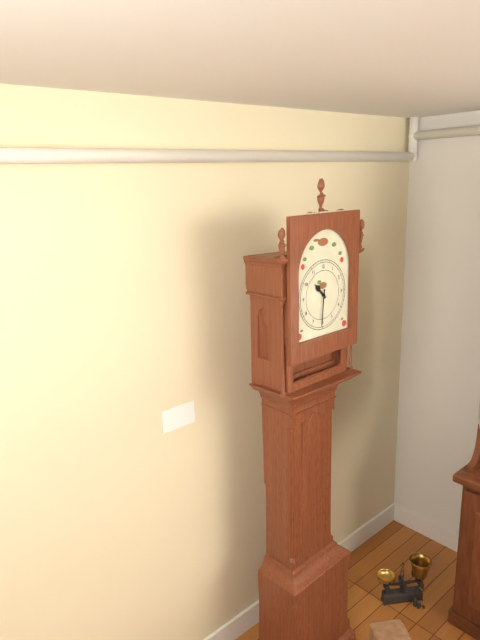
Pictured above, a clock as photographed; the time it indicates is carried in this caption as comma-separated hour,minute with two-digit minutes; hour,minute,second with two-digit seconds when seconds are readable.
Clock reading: 10,31
